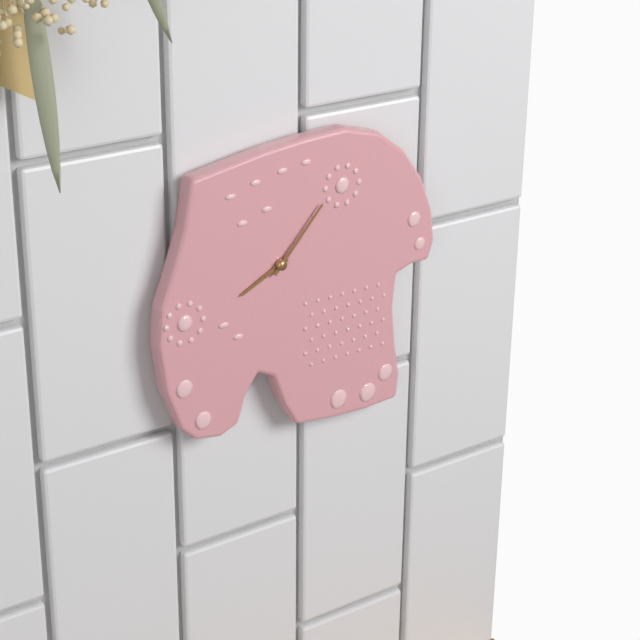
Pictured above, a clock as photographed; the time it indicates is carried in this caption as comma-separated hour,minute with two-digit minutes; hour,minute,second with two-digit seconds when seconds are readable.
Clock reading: 8,07
